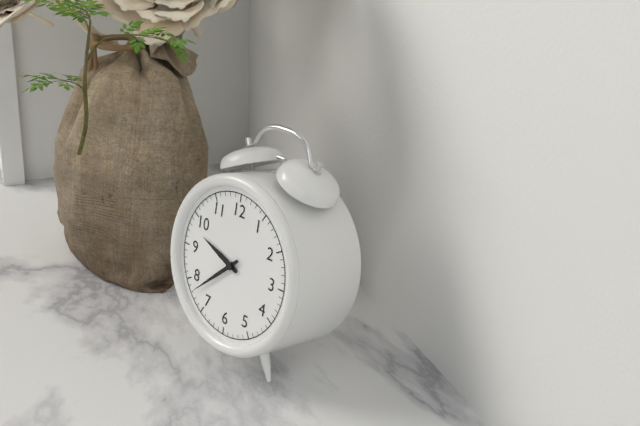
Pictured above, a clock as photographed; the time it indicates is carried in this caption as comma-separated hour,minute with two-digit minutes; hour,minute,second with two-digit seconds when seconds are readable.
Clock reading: 9,38
